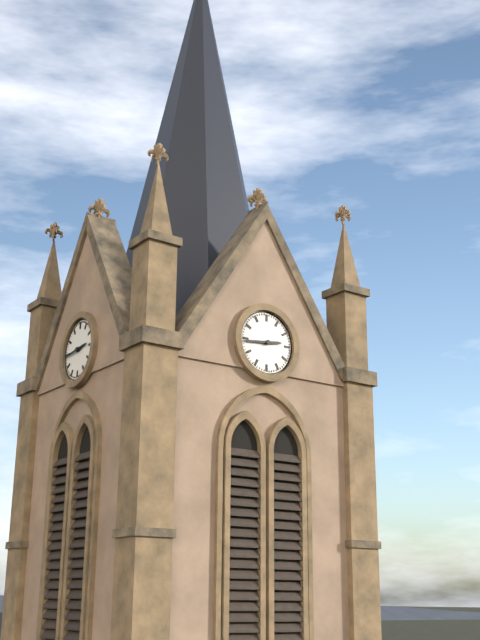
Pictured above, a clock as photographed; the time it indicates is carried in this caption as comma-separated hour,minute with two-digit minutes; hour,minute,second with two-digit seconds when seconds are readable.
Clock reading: 2,44
